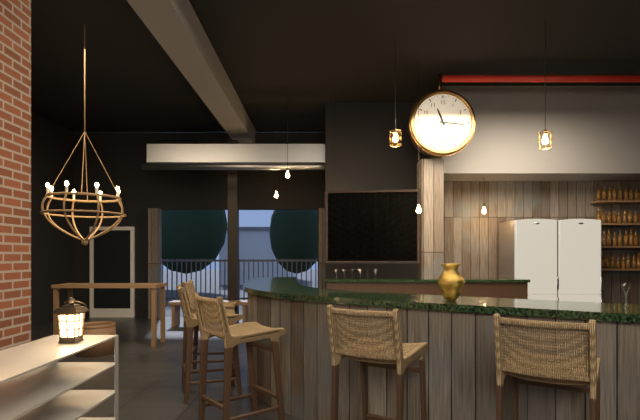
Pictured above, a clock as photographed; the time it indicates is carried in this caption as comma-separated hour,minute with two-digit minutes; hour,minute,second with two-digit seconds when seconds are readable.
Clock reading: 11,16
